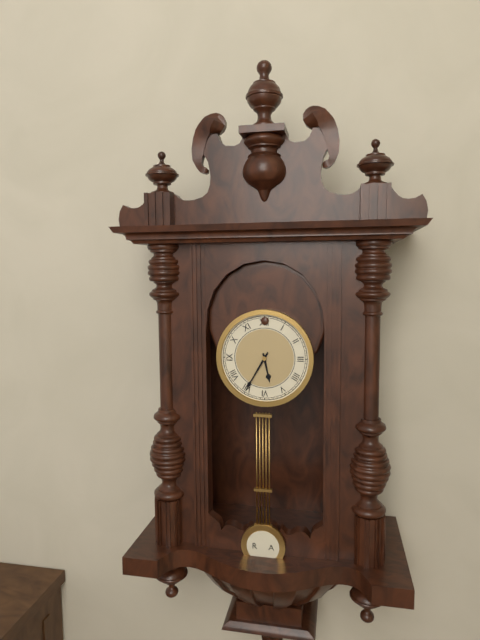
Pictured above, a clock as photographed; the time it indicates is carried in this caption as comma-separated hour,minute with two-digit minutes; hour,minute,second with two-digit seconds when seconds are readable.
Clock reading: 5,35
